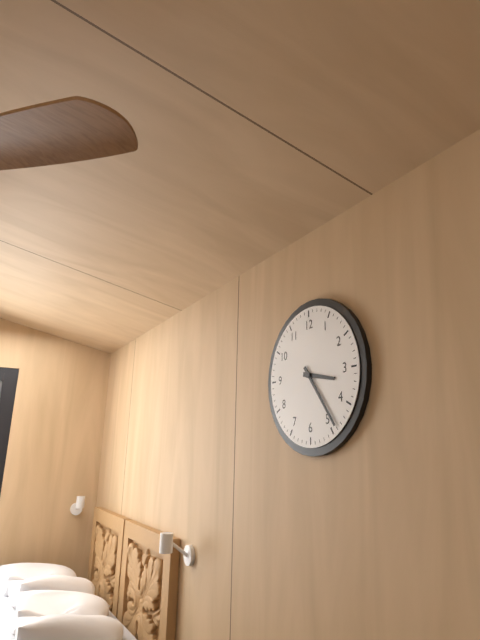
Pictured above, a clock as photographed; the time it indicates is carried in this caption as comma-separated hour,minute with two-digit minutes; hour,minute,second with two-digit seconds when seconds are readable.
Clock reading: 3,24
